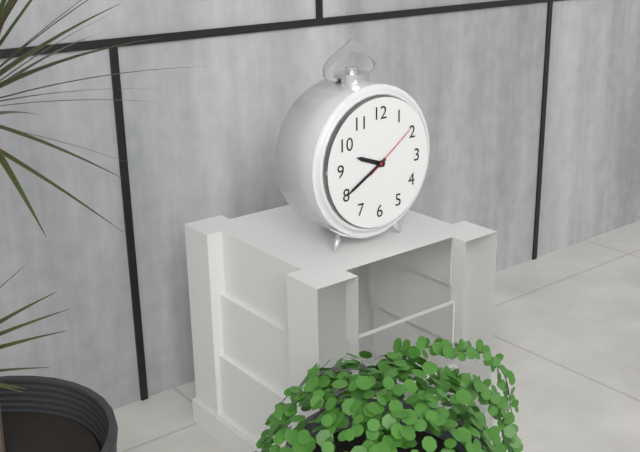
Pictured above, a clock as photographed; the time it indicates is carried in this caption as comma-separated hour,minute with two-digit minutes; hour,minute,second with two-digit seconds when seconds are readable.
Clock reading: 9,40,09
